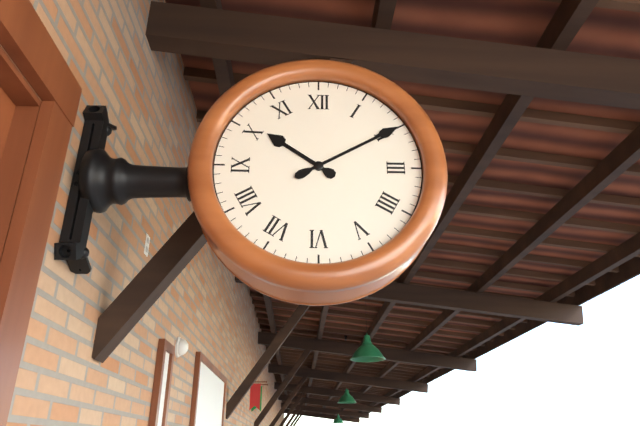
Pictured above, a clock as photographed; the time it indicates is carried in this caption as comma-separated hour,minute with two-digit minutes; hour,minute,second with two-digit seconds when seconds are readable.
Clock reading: 10,10
